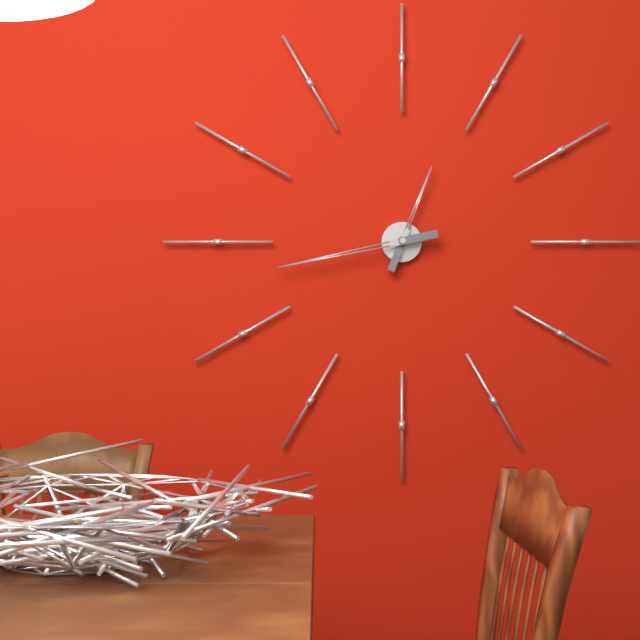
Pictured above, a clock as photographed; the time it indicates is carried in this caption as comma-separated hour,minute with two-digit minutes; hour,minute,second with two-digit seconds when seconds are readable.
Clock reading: 12,43
